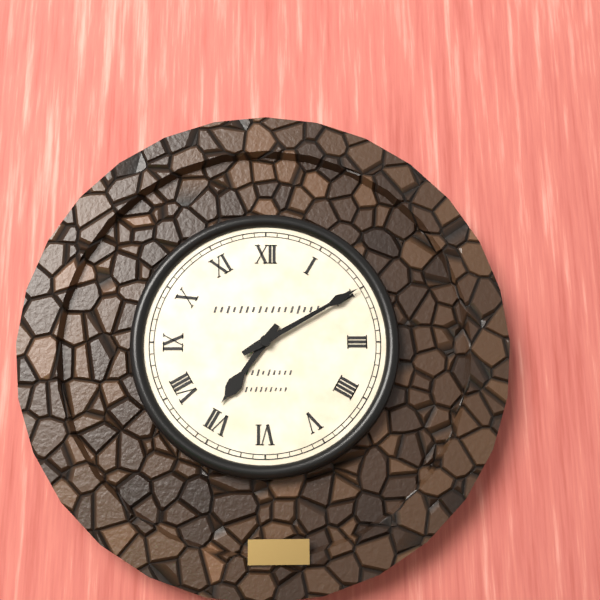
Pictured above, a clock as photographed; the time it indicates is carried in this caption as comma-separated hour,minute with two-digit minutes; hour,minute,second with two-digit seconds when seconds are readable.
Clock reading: 7,10
